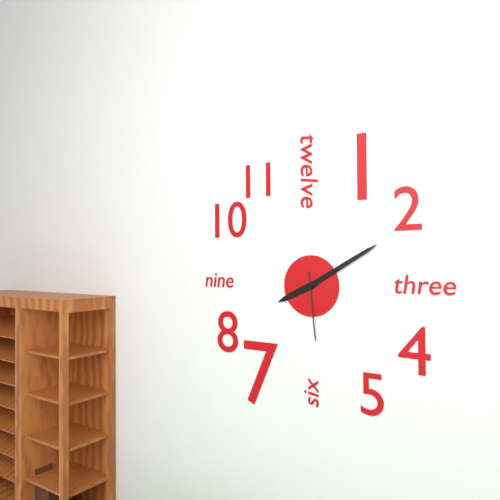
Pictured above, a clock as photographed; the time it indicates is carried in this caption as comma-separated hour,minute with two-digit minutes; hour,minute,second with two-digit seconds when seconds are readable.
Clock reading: 8,10,29
